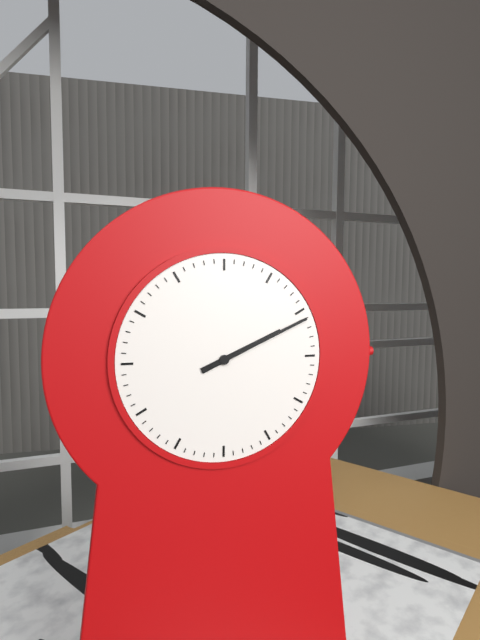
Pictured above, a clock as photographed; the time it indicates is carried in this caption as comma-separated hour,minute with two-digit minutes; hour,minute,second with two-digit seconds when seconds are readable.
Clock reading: 2,11
